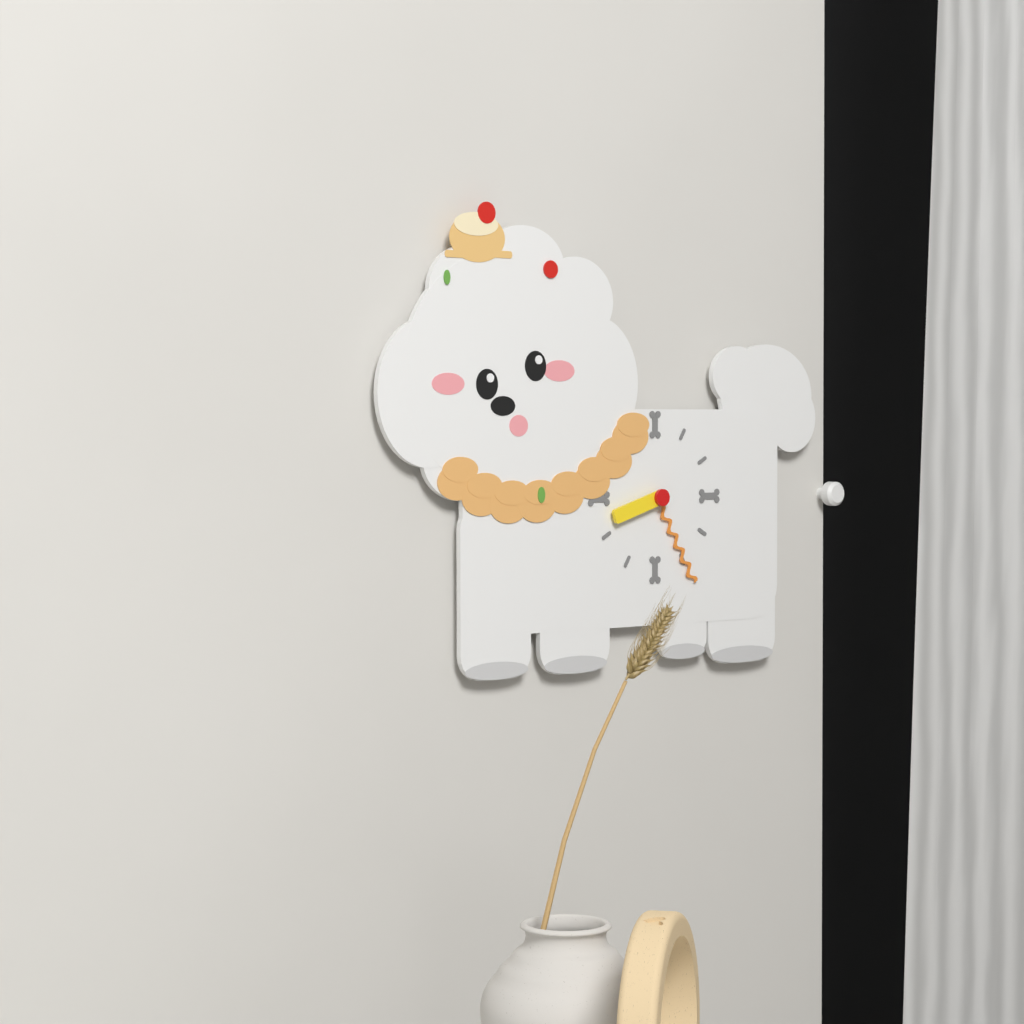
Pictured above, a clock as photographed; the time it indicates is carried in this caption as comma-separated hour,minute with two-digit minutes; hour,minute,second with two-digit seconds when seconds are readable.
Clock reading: 8,25
